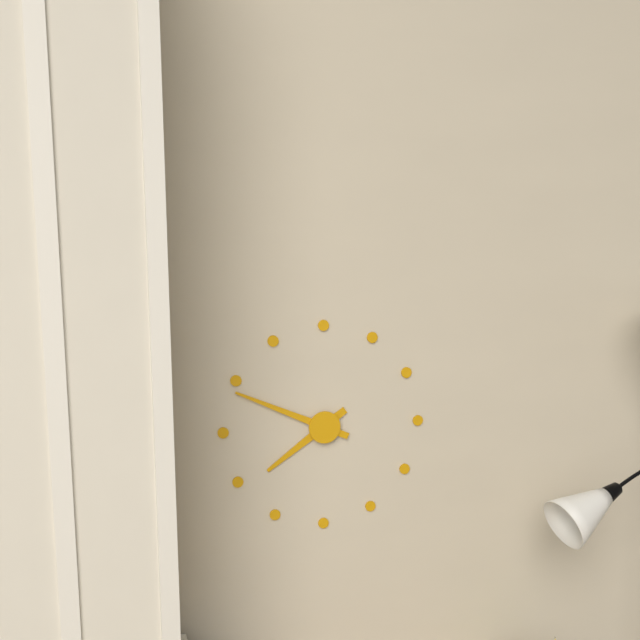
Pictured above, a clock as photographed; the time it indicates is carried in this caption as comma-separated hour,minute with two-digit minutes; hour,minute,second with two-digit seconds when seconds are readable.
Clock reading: 7,49
